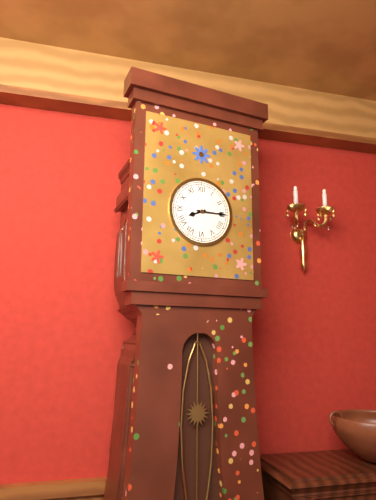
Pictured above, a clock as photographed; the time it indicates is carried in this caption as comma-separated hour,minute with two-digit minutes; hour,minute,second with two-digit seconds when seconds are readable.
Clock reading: 8,15
